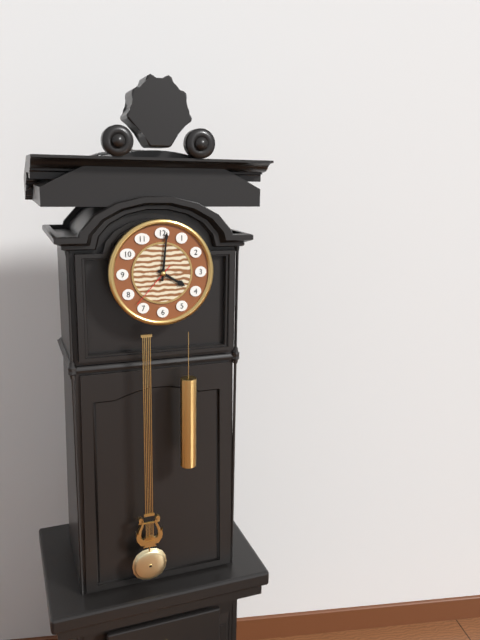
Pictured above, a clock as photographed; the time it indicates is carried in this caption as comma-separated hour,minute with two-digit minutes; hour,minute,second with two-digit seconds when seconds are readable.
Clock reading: 4,01
